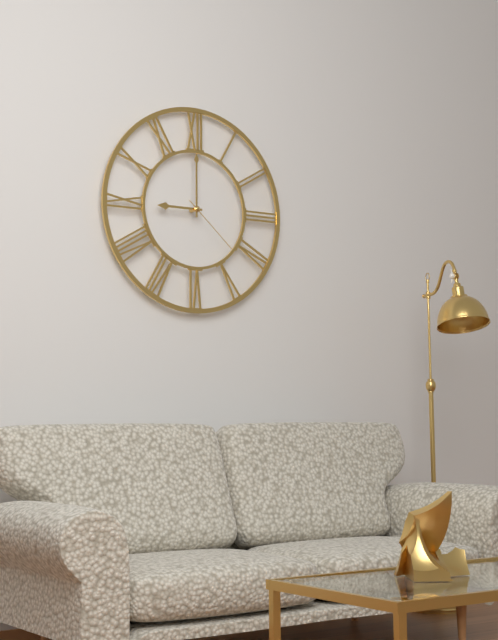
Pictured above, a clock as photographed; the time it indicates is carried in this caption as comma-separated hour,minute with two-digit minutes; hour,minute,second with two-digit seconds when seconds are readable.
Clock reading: 9,00,22
